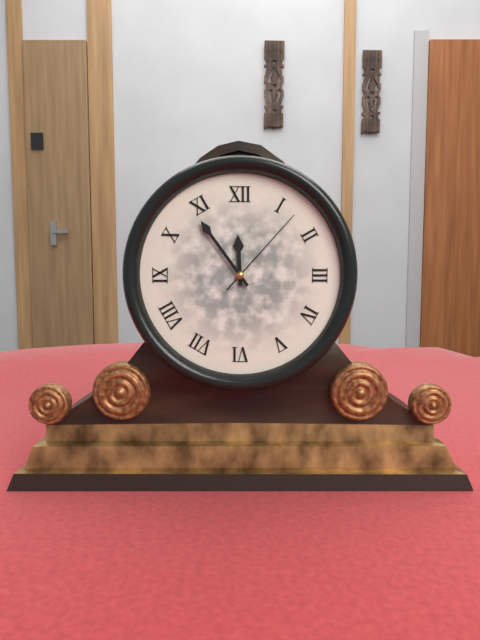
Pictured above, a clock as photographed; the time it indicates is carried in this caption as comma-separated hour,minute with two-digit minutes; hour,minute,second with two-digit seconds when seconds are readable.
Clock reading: 11,54,07
